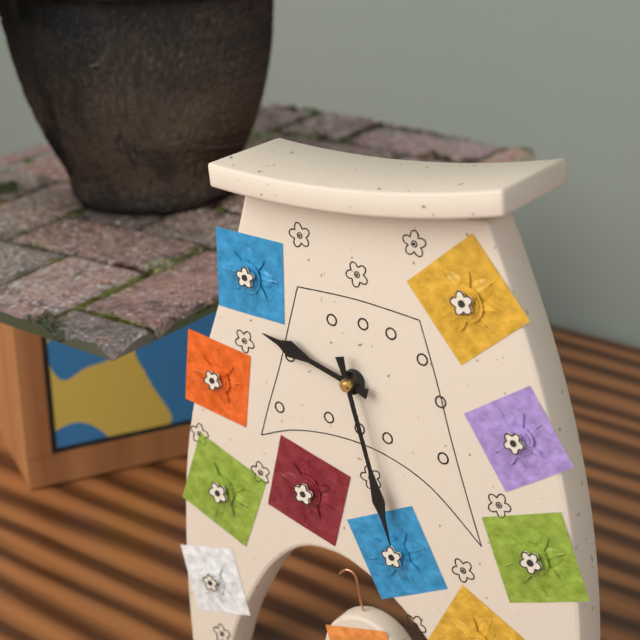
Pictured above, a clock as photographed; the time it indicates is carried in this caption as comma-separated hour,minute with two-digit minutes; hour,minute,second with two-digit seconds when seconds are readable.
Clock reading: 9,27
